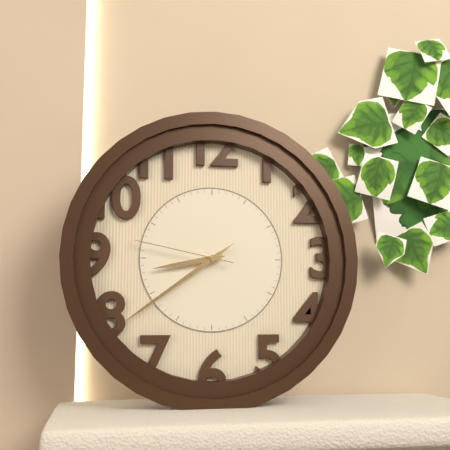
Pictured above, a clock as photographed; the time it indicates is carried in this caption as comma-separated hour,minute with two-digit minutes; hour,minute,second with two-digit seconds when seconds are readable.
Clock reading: 8,39,47
